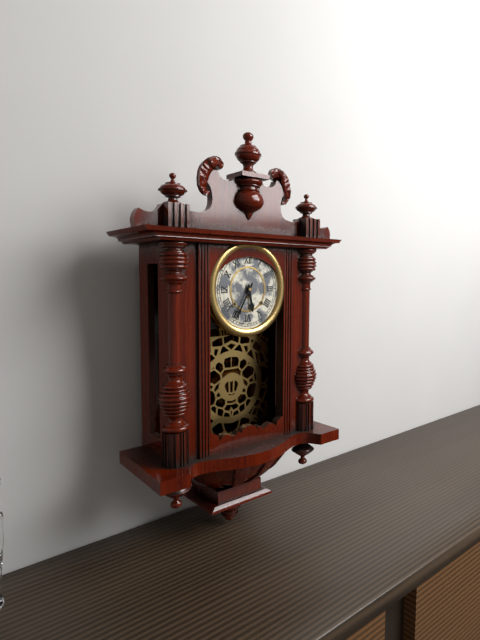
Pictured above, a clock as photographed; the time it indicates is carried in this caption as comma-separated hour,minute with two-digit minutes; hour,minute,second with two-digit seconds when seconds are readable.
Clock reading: 5,35
